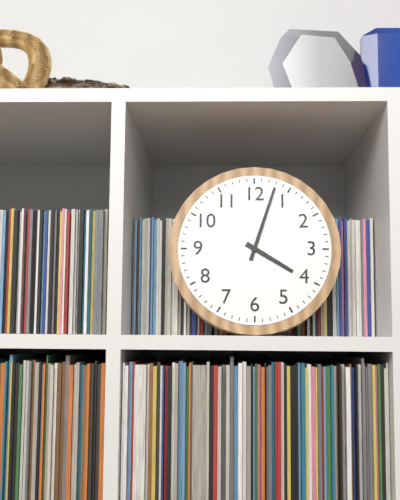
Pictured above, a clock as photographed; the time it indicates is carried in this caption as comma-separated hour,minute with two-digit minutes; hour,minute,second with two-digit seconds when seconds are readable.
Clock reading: 4,03
